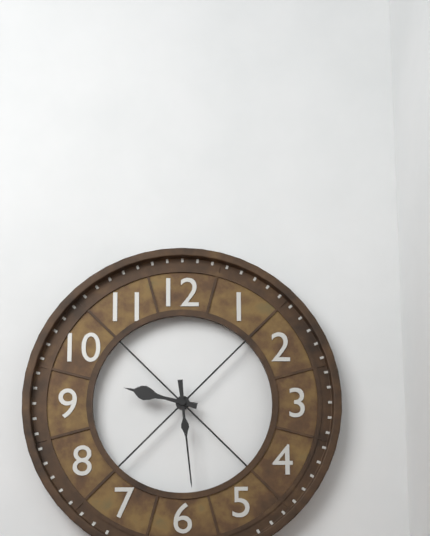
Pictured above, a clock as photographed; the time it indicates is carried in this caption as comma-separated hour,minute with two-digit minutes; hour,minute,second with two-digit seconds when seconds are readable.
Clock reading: 9,29
